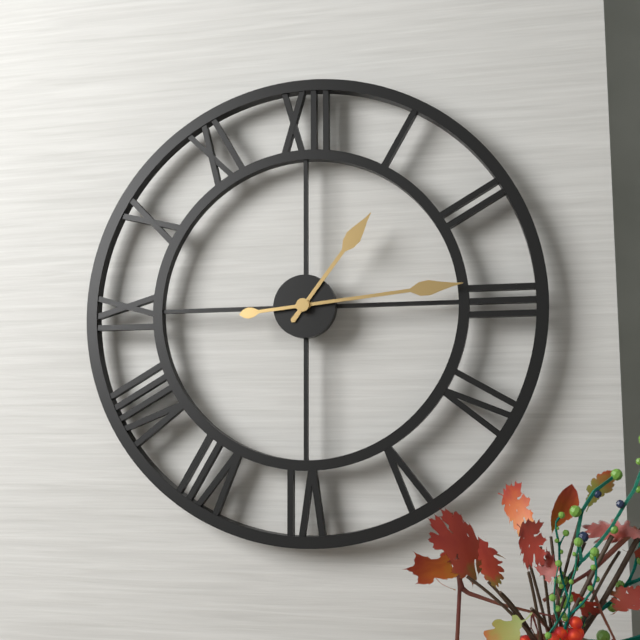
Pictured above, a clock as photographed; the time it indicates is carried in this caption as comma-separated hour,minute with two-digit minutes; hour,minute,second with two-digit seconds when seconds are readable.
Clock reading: 1,14
